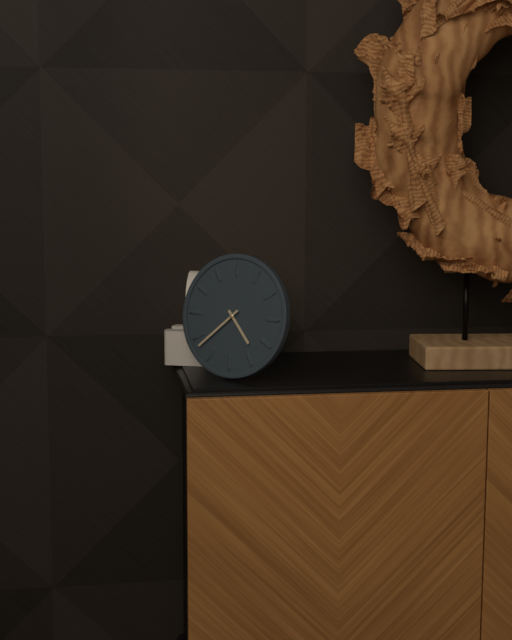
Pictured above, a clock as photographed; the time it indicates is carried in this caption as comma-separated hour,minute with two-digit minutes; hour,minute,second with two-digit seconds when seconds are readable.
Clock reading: 4,38
